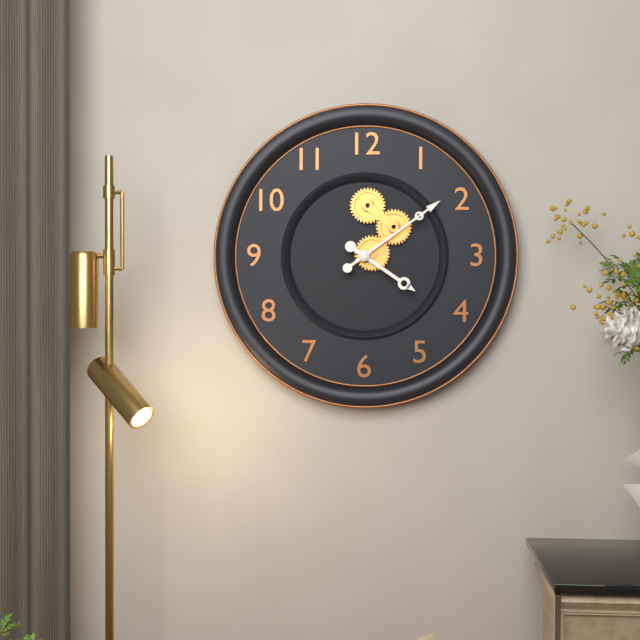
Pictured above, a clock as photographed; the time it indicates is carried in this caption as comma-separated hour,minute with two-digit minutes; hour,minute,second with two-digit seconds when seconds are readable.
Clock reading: 4,09
